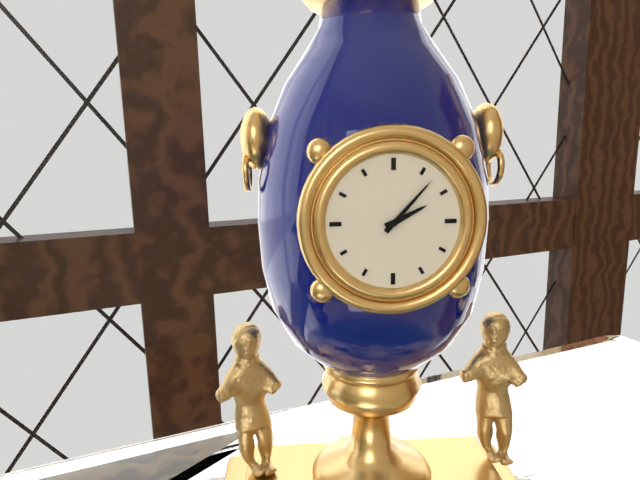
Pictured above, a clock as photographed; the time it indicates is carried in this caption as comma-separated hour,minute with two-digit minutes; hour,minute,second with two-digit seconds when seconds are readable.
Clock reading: 2,07
